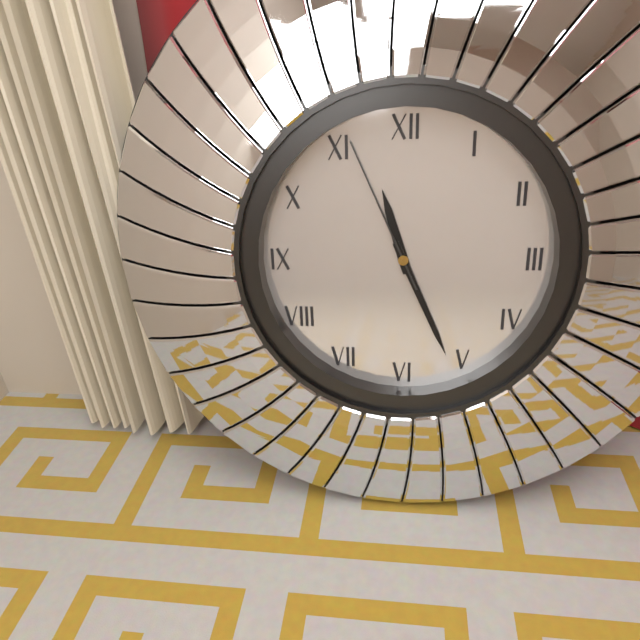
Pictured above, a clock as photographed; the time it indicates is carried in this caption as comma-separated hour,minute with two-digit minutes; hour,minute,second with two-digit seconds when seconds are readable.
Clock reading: 11,26,56
